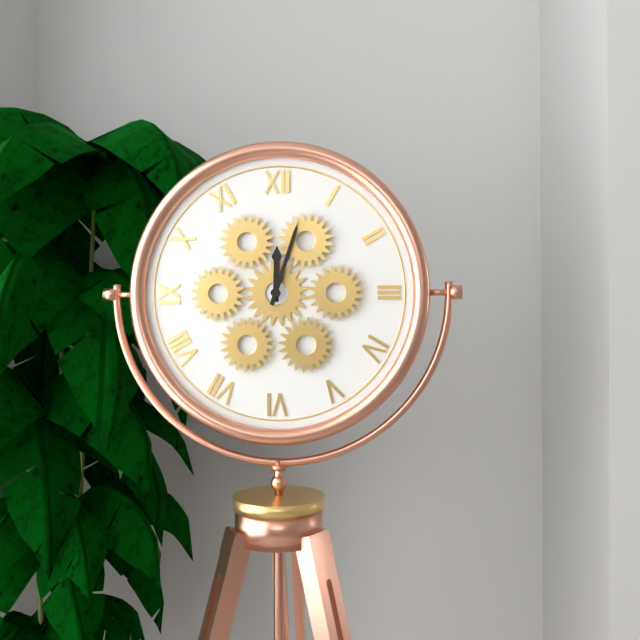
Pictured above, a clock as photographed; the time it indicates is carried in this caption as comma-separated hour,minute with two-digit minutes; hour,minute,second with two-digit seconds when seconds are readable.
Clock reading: 12,03
